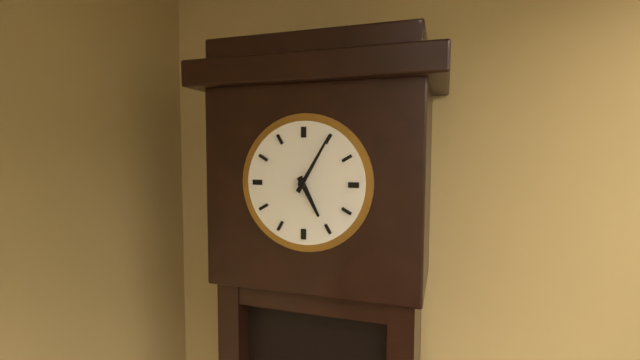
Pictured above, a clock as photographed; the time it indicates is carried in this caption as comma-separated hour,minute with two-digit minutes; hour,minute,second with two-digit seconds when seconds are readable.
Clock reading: 5,05
